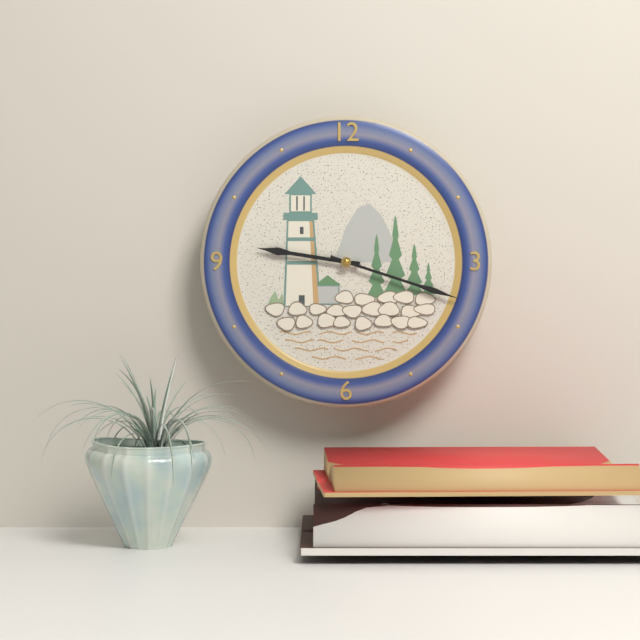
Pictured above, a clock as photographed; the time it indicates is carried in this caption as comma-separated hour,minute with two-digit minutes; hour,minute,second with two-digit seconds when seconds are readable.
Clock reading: 9,18
